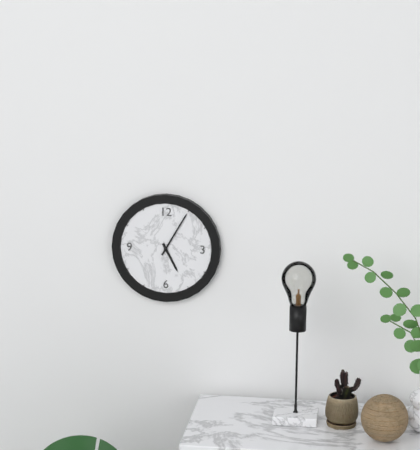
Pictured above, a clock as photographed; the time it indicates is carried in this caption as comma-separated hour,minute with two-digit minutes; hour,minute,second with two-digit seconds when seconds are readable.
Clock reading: 5,05
